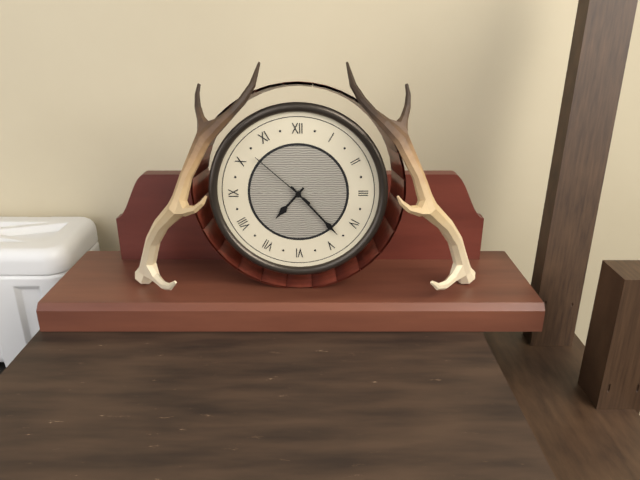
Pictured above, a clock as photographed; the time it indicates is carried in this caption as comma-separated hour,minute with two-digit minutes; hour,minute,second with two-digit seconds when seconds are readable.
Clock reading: 7,23,52
